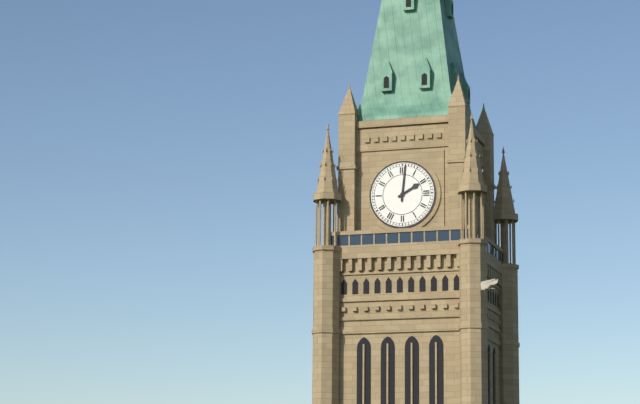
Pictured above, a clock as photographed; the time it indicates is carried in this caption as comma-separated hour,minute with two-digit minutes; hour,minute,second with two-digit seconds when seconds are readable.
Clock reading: 2,01
